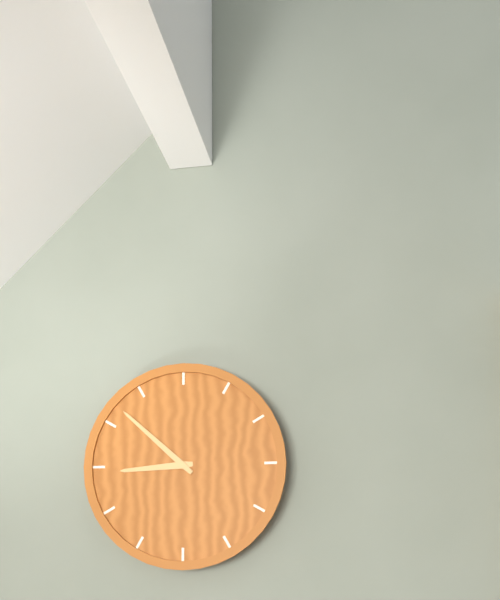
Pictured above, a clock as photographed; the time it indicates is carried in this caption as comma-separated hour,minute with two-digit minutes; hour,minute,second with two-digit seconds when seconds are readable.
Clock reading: 8,52
